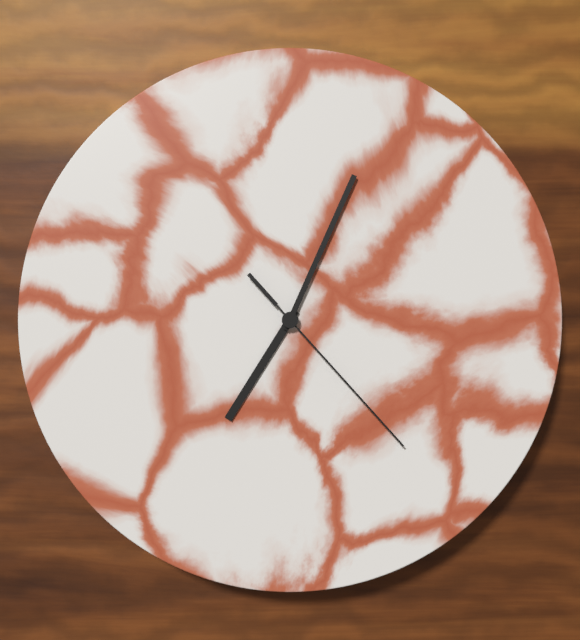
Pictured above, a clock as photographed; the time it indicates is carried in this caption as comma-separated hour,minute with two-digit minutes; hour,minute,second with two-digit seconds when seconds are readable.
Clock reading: 7,04,23
